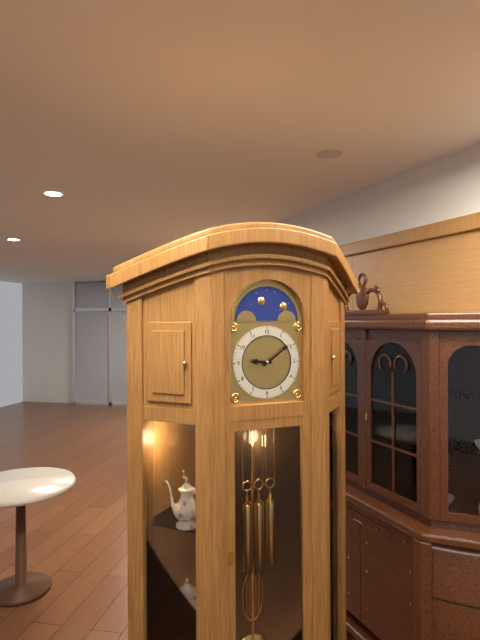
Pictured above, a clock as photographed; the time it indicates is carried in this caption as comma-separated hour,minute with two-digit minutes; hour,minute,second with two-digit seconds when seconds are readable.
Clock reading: 9,09
